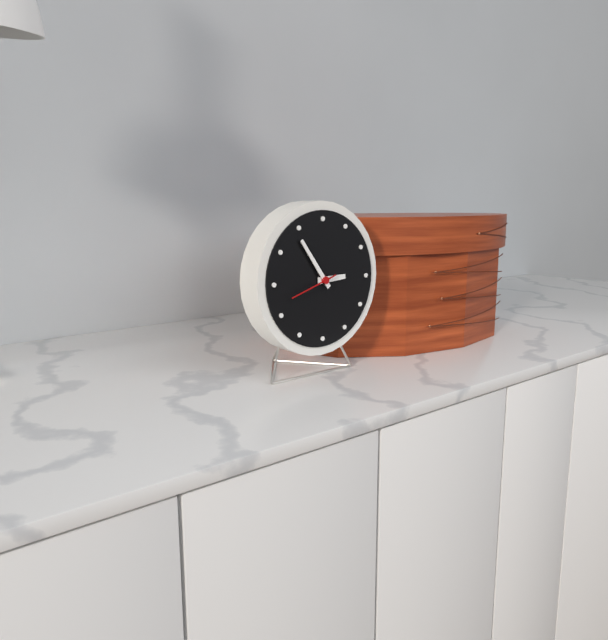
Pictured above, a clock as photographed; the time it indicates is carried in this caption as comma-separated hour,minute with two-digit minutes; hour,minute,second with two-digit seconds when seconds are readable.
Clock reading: 2,54
